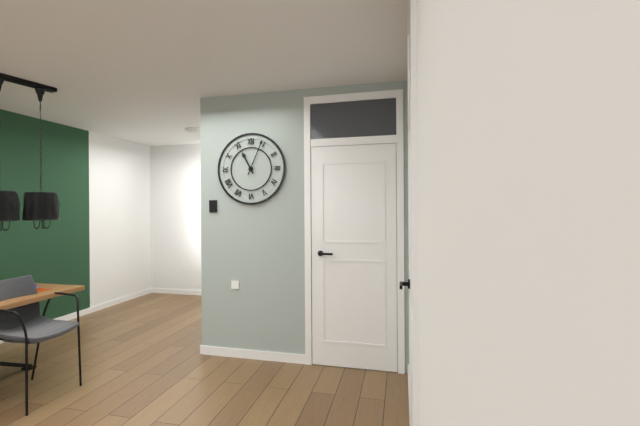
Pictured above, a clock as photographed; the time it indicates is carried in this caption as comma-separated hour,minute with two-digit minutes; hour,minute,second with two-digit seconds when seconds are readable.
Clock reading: 11,04
